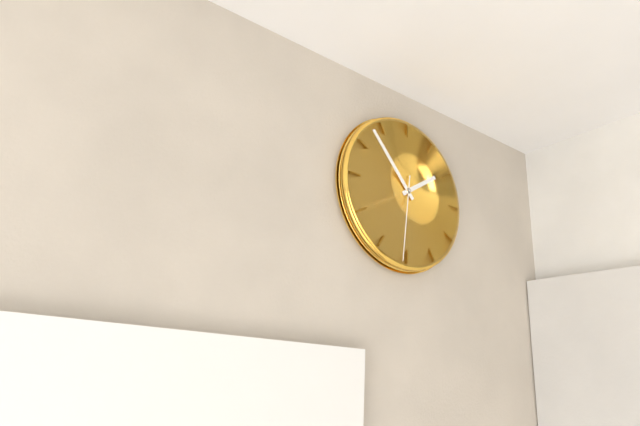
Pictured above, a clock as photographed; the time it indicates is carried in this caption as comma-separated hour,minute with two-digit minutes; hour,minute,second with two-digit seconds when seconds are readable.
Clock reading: 1,53,31
